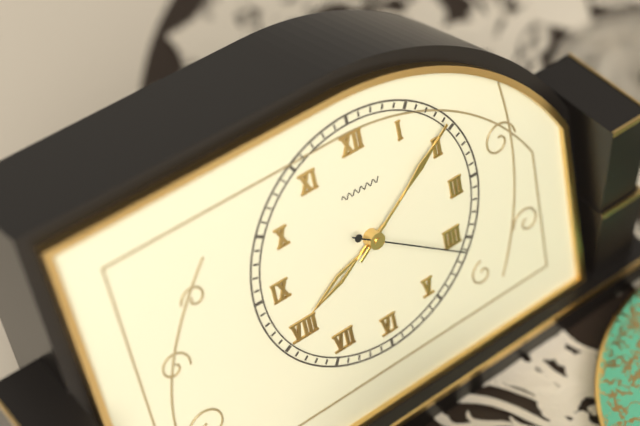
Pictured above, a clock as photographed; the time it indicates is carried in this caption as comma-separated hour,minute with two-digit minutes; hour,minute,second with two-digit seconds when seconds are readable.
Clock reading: 8,09,21
